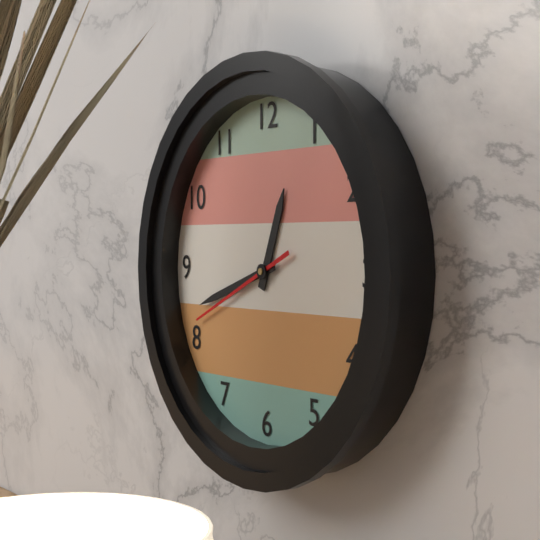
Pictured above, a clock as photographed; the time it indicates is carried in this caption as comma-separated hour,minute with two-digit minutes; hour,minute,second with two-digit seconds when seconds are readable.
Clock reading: 12,42,41
